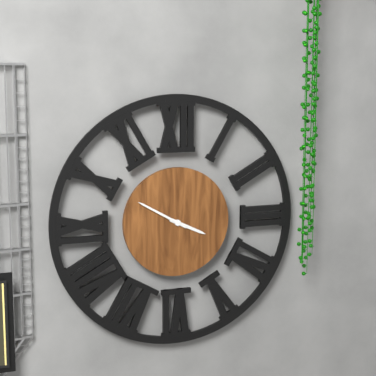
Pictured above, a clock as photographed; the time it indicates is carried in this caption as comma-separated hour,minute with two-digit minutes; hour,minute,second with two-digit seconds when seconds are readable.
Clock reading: 3,50
